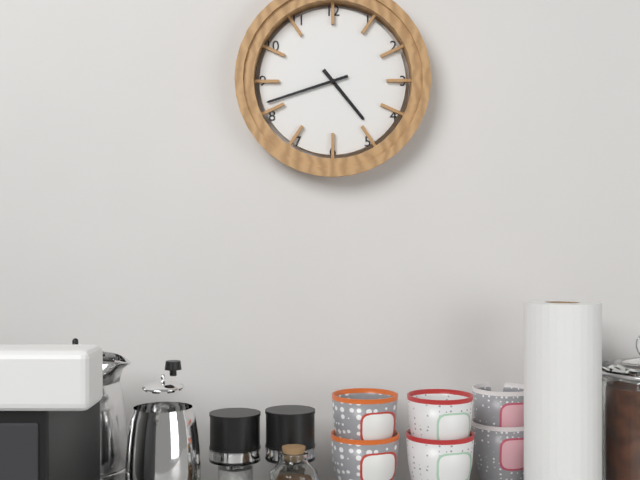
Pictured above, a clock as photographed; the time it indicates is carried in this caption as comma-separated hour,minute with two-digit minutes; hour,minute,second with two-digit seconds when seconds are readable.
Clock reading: 4,42
